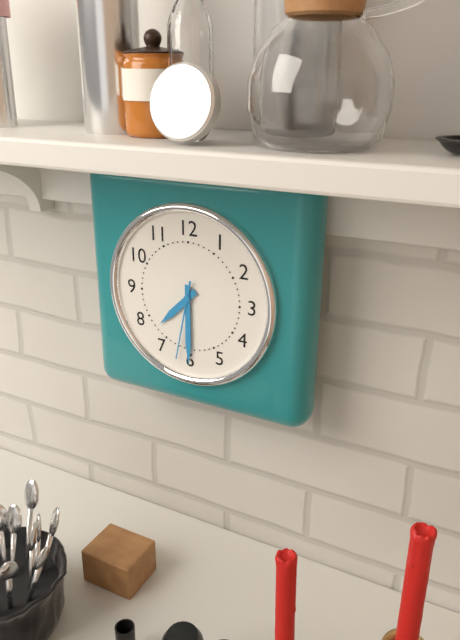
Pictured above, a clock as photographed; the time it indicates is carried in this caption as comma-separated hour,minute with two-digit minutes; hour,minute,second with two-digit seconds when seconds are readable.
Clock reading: 7,30,32
